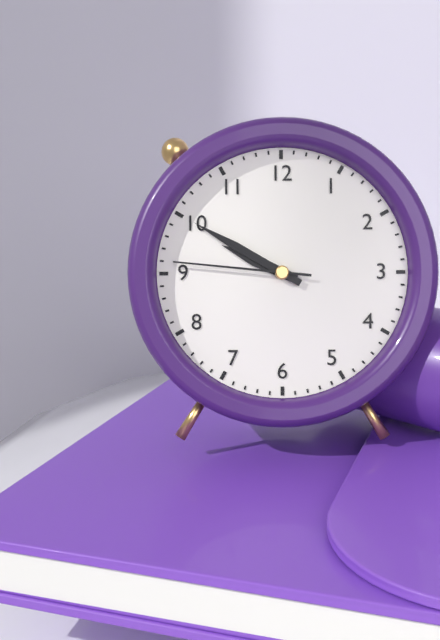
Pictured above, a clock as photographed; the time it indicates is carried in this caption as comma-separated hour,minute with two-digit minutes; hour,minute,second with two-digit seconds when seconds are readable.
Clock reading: 9,50,46
